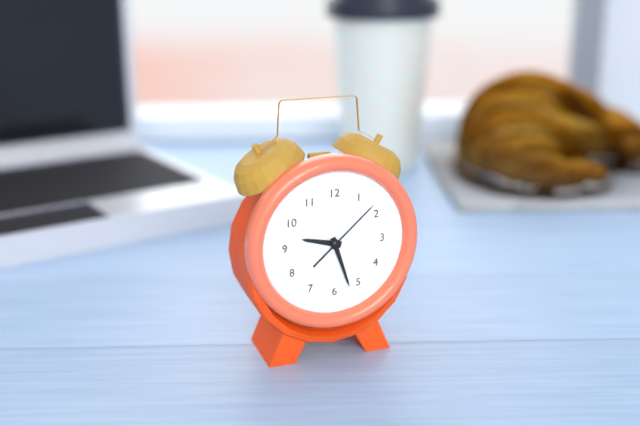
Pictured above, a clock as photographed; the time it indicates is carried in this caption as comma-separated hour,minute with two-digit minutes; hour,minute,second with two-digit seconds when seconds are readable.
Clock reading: 9,27,08
